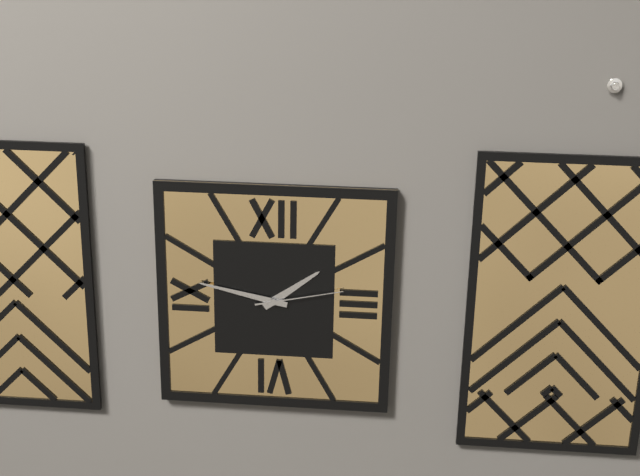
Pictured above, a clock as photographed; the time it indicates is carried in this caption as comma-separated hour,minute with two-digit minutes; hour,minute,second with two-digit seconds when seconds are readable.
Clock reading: 1,47,13
